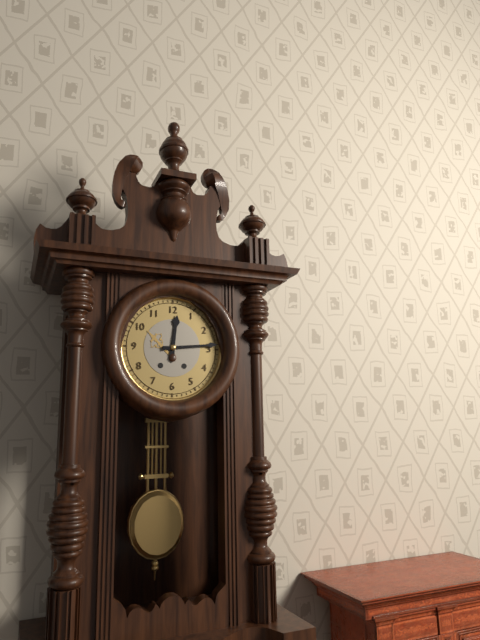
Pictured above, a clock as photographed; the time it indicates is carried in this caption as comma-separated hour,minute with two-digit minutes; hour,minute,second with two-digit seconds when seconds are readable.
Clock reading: 12,14
